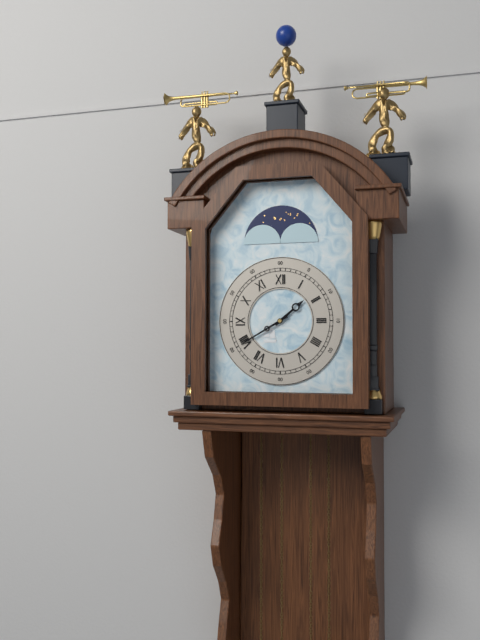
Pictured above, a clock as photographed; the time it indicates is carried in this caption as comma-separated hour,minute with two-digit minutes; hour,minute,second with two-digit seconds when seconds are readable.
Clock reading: 1,40
